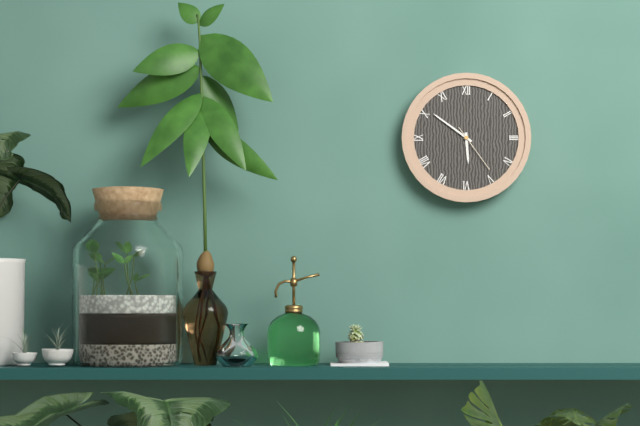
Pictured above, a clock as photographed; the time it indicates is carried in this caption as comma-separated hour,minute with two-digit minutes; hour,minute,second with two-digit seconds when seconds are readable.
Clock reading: 5,51
